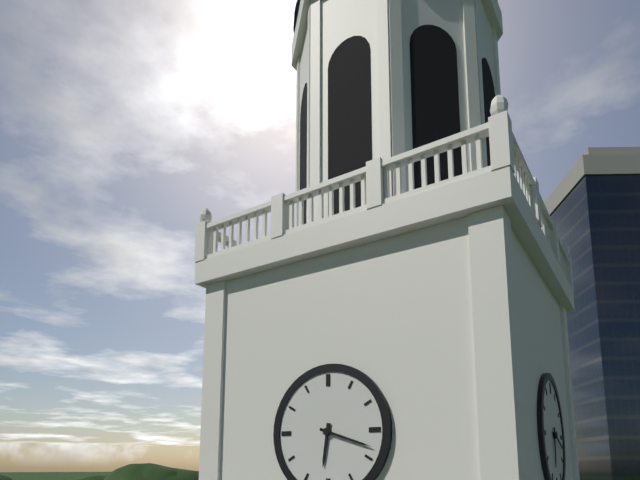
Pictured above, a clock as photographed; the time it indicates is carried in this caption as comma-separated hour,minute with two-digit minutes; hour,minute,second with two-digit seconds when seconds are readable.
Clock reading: 6,18
